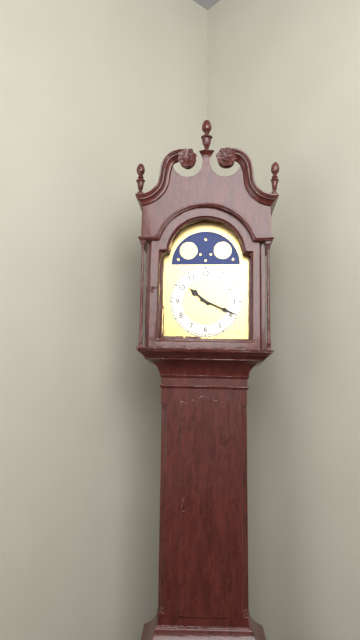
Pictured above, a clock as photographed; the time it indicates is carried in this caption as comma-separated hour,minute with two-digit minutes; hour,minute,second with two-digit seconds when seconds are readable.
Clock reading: 10,19
